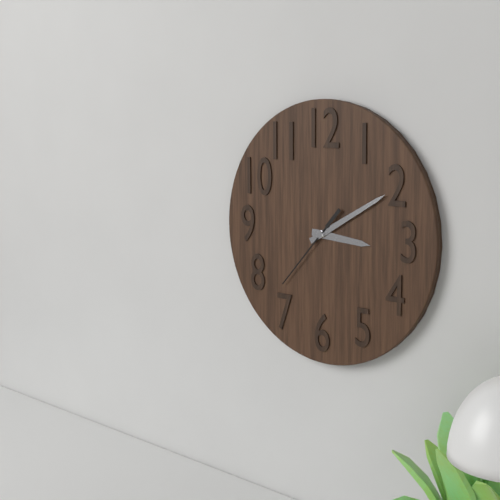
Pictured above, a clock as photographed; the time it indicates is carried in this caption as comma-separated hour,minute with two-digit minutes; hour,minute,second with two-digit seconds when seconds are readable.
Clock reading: 3,10,37
